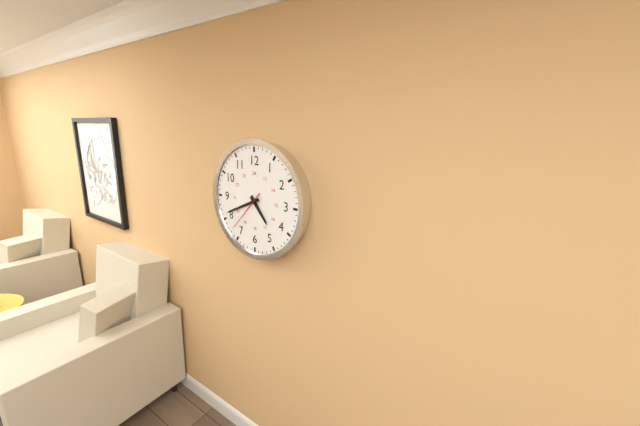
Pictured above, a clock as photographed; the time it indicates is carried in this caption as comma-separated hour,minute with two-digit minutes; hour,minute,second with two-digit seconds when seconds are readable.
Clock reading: 4,41
